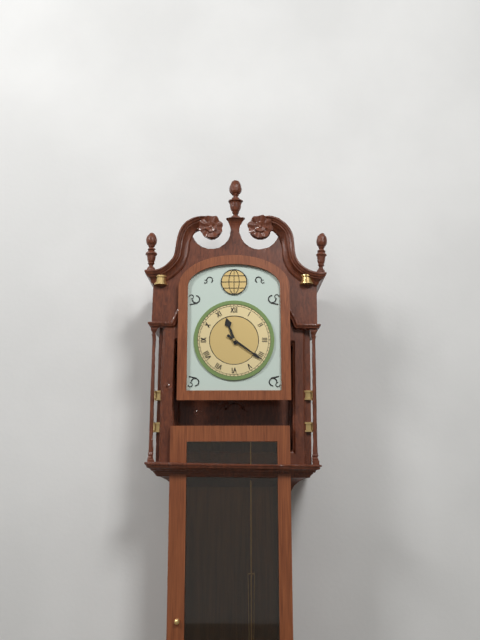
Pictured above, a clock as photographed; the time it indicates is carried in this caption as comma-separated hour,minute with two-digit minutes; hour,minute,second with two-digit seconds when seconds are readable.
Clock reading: 11,21
